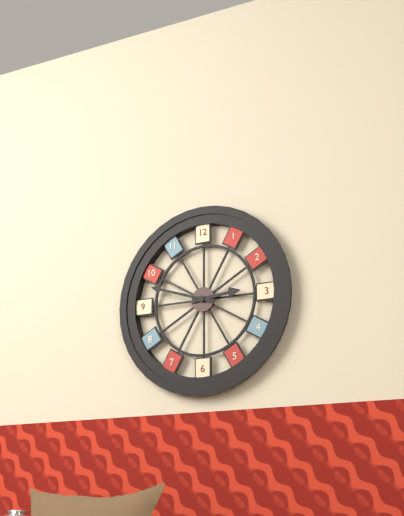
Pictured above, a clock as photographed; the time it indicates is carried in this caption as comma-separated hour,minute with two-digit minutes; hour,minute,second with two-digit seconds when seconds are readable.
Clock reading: 2,48
